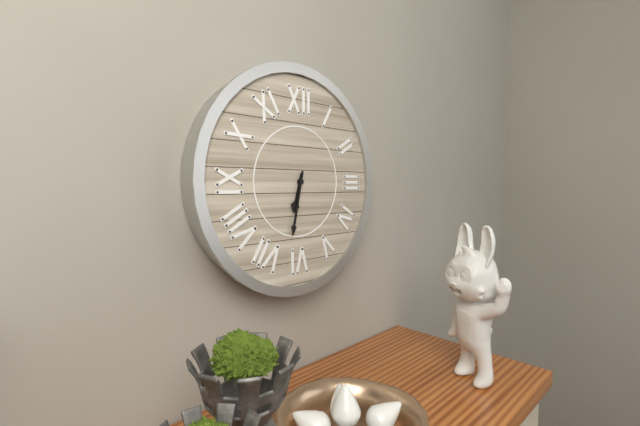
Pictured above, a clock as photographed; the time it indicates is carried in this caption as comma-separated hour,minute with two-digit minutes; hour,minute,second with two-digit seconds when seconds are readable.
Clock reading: 6,32
